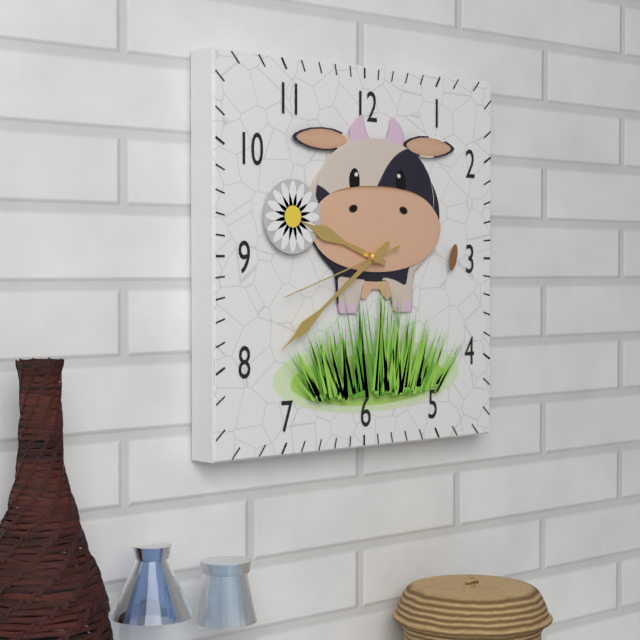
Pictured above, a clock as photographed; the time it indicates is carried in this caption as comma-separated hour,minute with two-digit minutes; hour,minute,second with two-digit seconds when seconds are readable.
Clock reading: 9,39,42
